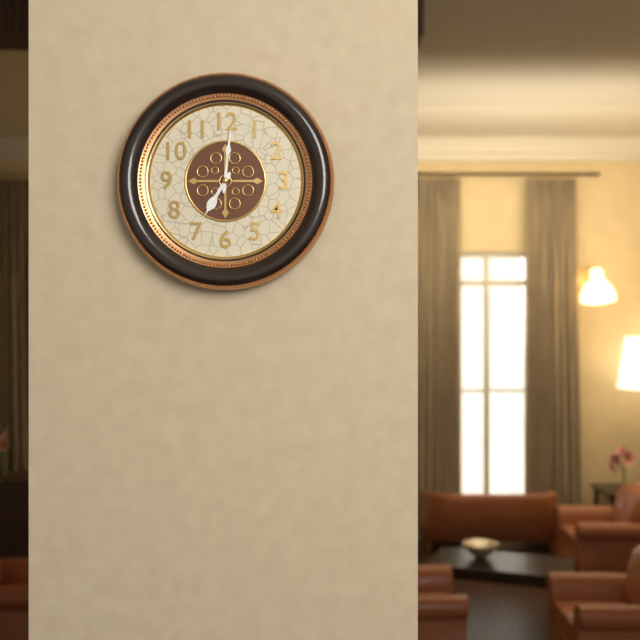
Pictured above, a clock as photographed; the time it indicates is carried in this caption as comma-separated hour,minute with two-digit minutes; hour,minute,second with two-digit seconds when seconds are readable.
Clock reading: 7,01
